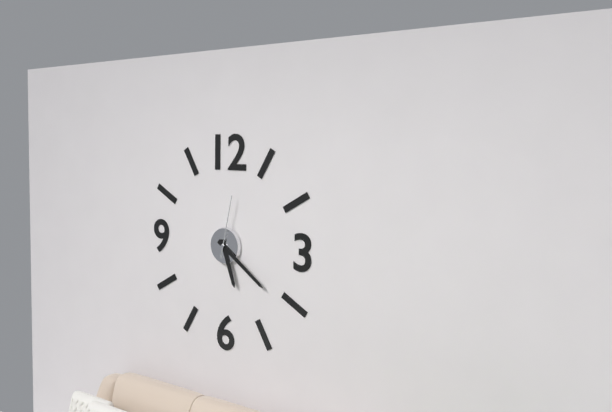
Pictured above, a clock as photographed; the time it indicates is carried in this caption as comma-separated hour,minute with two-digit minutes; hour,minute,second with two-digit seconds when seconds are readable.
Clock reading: 5,21,02
